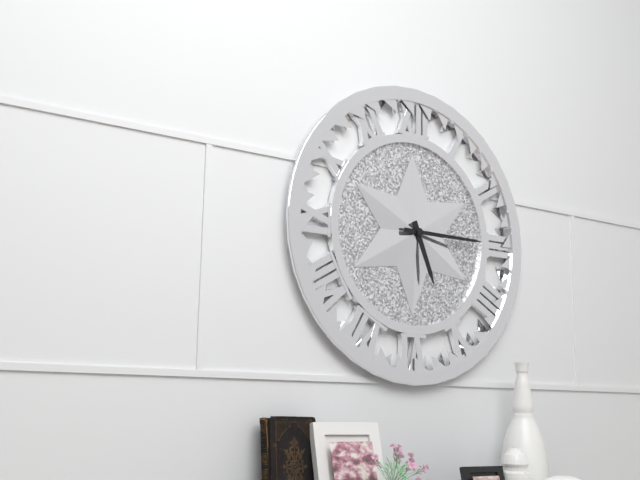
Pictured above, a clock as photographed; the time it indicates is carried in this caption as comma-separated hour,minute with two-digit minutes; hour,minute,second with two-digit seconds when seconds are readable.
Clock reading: 5,15
